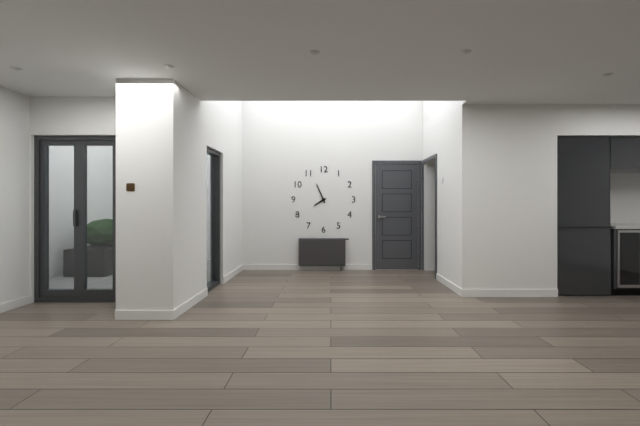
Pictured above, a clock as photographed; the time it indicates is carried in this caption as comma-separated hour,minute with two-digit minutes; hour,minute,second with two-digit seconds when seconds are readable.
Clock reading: 7,56
